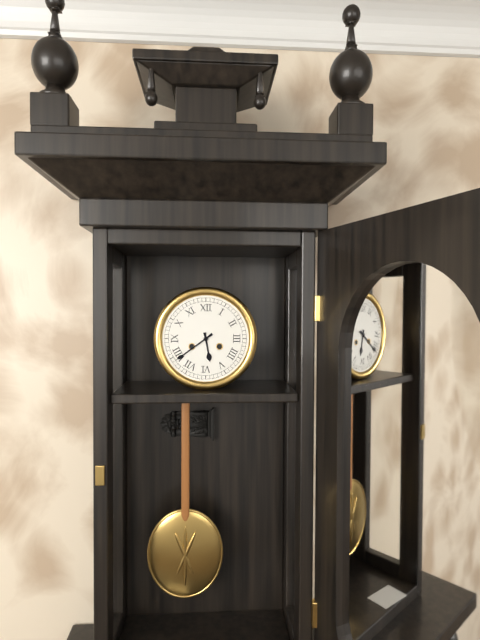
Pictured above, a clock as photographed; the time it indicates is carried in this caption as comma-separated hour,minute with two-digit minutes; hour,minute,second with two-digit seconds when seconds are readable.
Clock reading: 5,39
